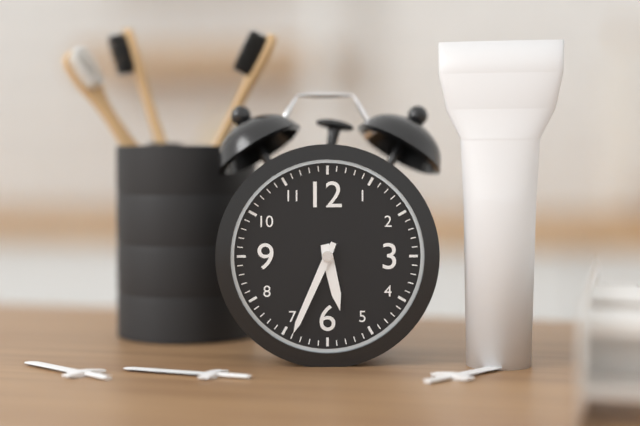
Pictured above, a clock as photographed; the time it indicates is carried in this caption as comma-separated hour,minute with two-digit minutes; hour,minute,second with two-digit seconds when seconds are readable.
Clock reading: 5,34
